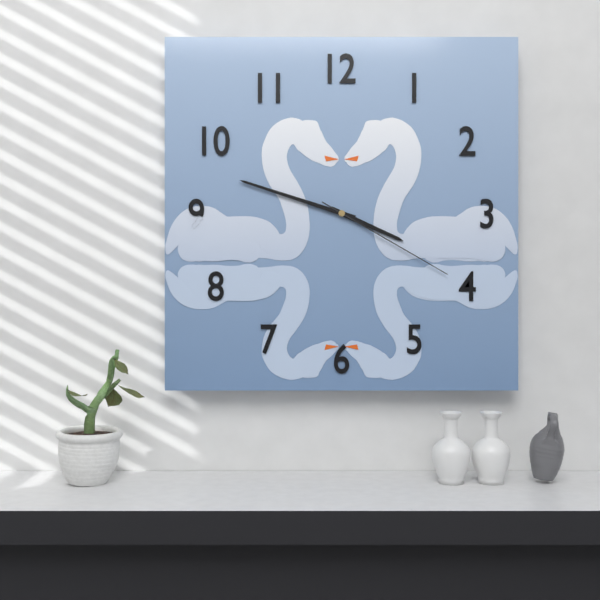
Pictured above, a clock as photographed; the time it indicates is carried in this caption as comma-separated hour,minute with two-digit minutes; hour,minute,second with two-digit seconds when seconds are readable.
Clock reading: 3,48,20
